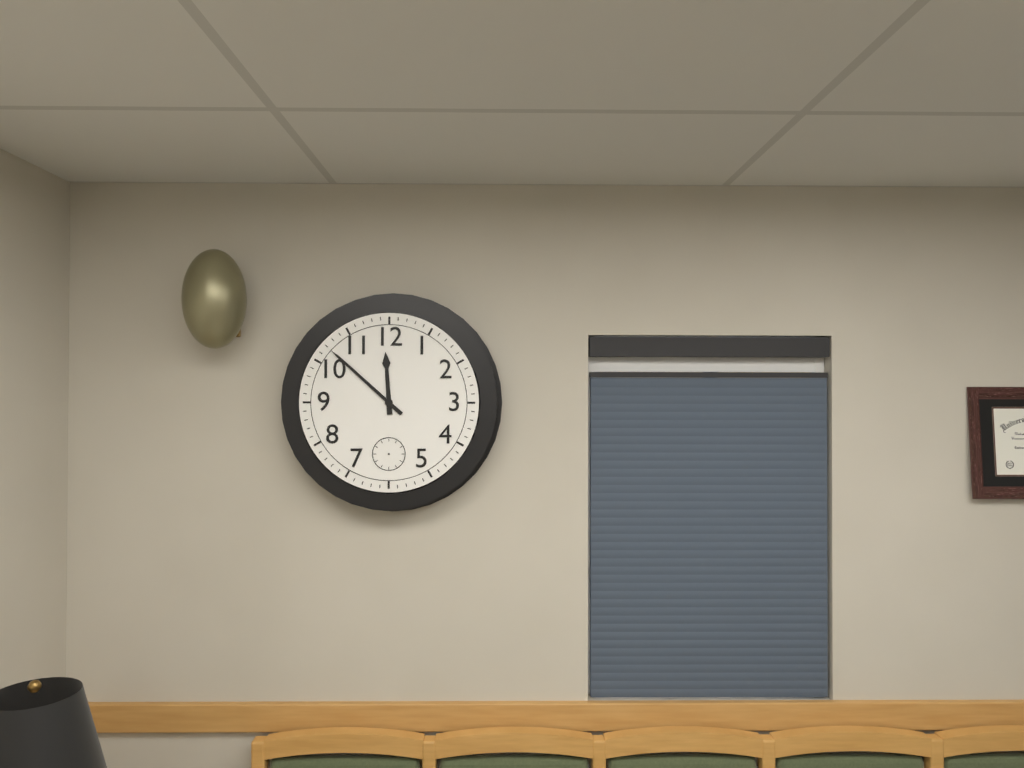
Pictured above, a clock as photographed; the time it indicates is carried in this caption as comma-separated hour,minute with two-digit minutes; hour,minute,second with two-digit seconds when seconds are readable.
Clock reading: 11,52
